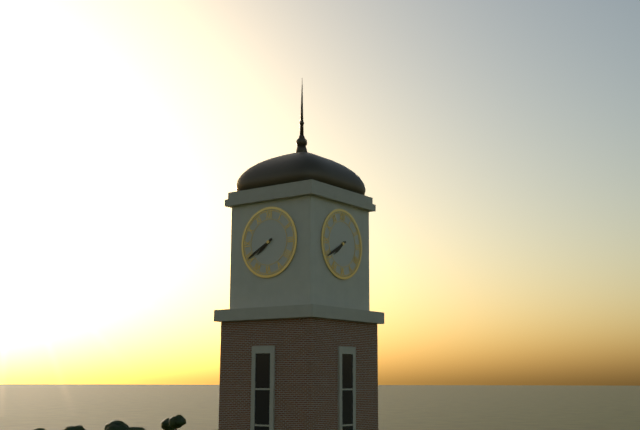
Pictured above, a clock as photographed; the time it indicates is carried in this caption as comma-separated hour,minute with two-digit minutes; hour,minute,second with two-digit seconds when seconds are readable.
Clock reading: 7,40
